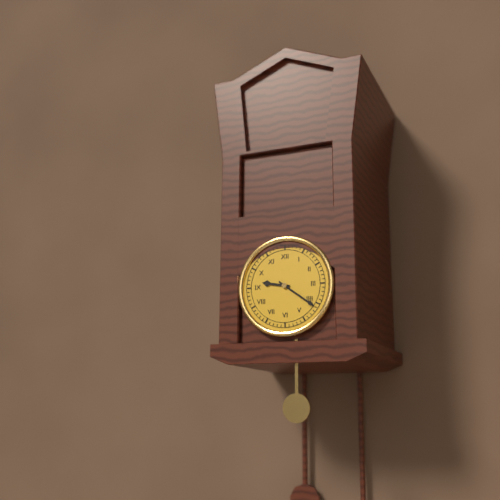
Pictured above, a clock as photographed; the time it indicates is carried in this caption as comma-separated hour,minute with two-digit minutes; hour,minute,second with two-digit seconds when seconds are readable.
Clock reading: 9,21
